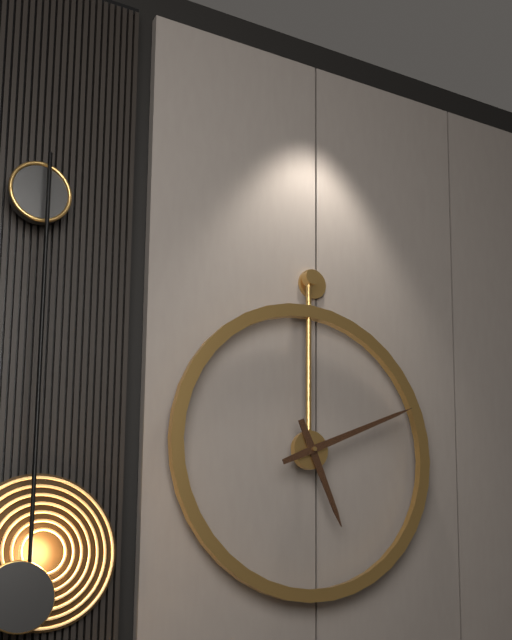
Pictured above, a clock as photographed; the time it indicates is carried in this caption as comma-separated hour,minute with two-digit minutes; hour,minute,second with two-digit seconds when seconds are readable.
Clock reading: 5,11
